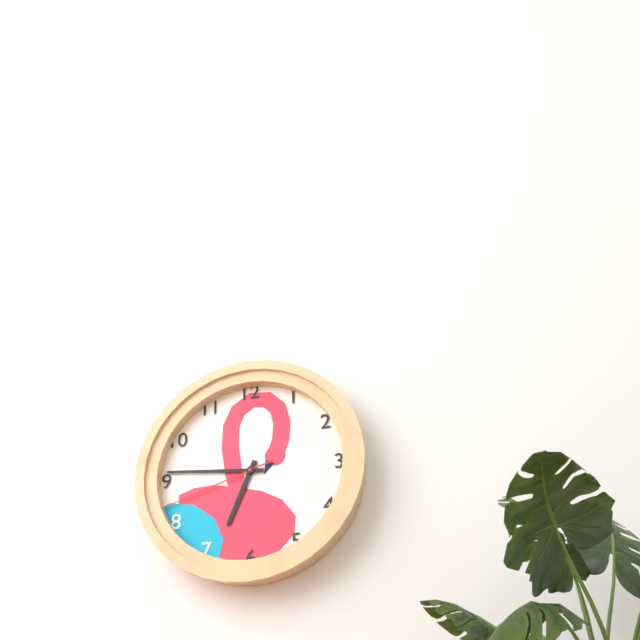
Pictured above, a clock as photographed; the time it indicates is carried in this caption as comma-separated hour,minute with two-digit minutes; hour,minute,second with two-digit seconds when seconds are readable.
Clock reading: 6,46,42
